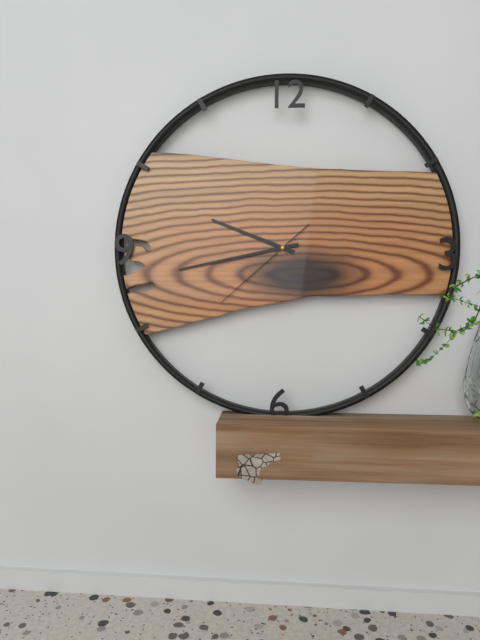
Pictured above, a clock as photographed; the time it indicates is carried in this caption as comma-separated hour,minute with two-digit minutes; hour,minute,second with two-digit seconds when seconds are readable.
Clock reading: 9,43,38
